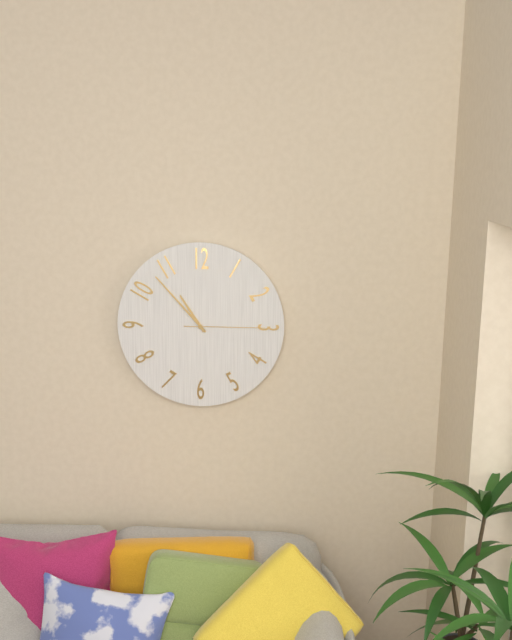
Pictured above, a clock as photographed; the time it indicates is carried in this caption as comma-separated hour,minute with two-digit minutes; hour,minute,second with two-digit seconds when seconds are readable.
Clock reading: 10,53,15
